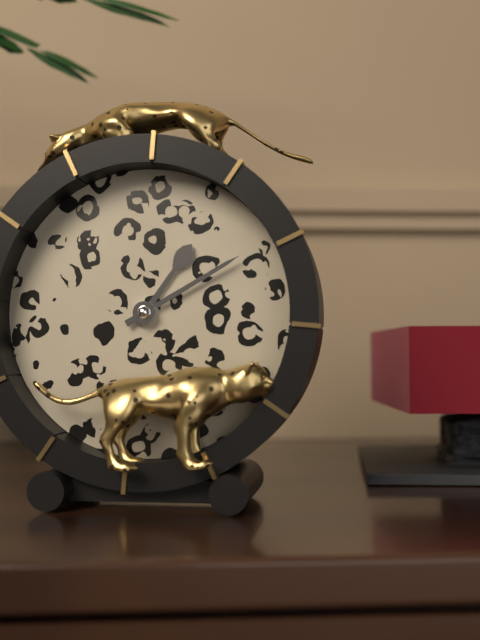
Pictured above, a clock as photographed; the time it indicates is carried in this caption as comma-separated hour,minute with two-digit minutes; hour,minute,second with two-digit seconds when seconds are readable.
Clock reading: 1,10
